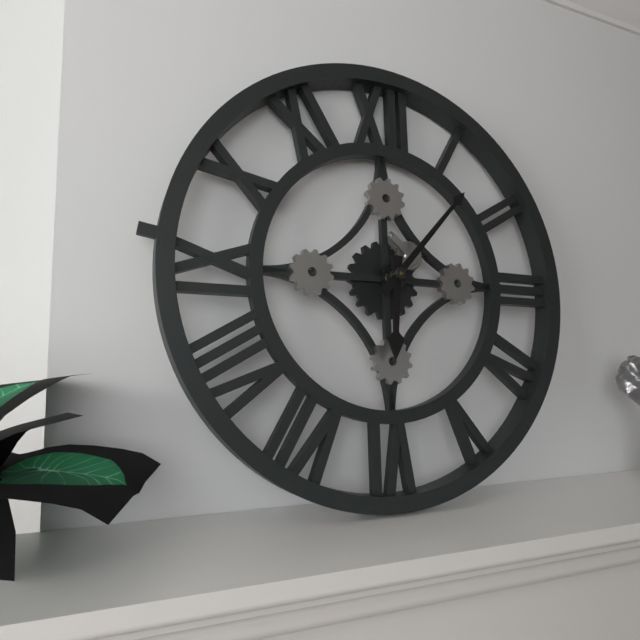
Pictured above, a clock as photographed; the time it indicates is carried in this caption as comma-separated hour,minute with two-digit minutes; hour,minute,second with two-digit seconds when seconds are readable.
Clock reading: 6,07
